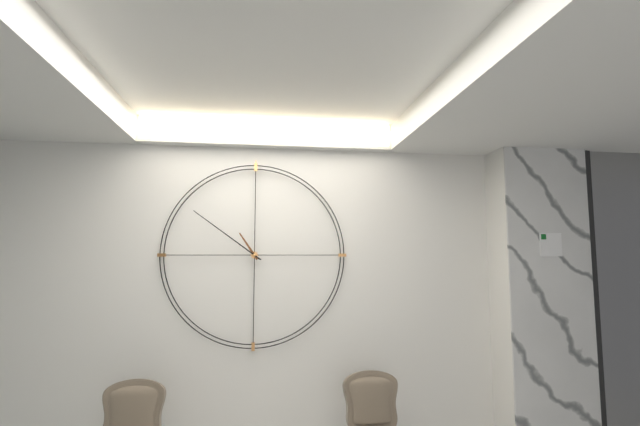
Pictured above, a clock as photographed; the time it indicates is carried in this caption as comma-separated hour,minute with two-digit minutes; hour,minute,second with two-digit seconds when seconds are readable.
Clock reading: 10,51
